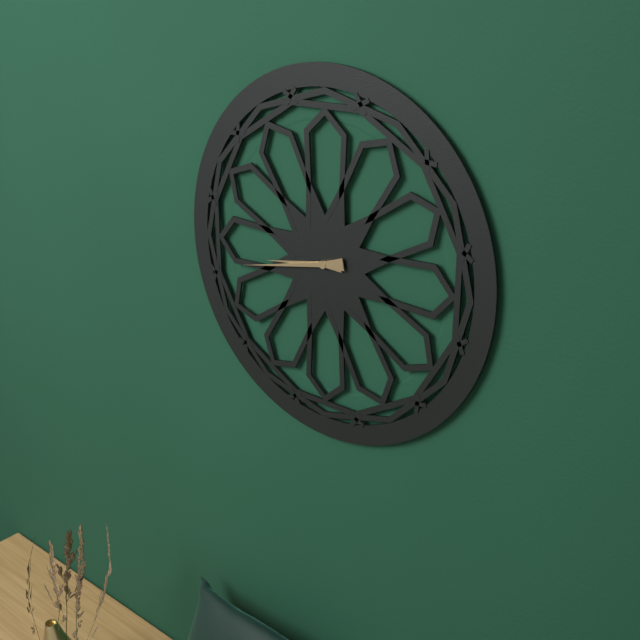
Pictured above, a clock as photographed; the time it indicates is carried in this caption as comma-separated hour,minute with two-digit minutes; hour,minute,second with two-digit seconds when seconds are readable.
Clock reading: 8,43
